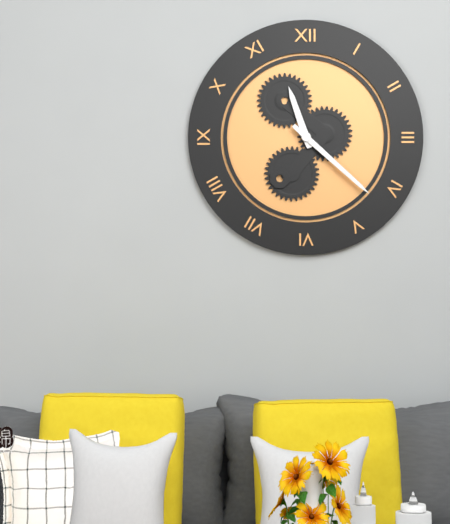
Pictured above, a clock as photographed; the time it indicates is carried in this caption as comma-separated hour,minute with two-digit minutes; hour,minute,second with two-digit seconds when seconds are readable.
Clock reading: 11,22
